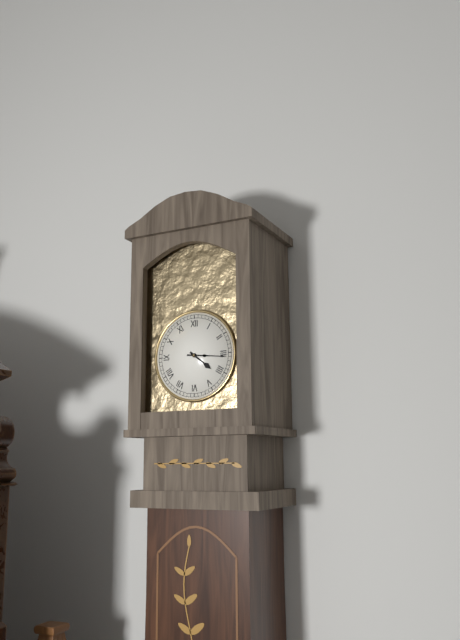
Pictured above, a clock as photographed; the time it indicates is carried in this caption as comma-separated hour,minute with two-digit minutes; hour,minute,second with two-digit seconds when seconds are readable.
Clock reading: 4,16
